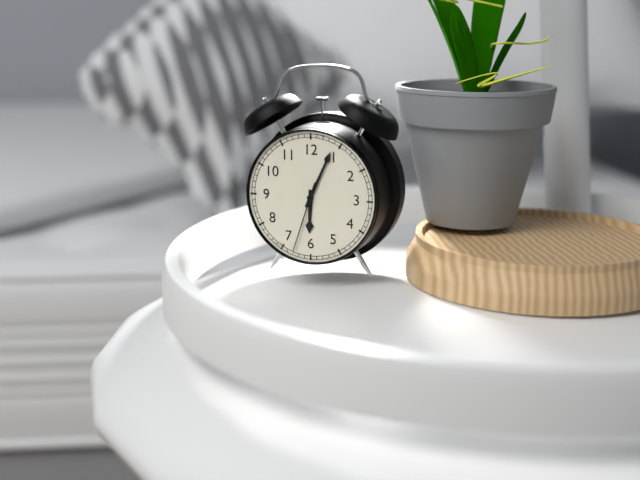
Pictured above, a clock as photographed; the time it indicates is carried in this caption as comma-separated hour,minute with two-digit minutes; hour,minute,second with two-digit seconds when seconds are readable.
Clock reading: 6,04,33
